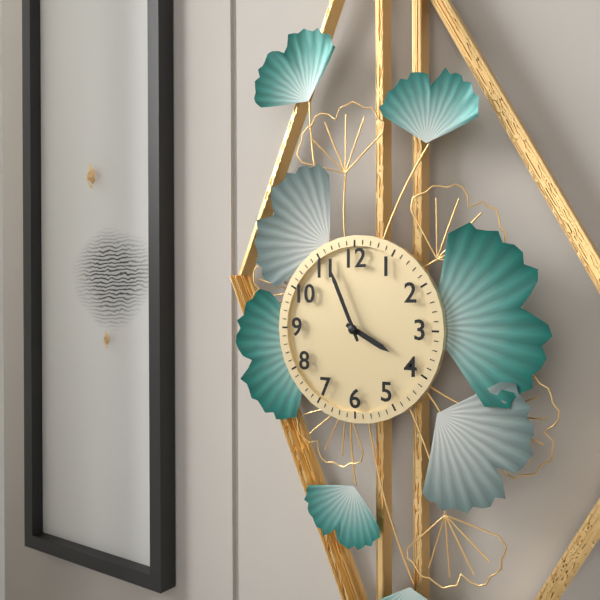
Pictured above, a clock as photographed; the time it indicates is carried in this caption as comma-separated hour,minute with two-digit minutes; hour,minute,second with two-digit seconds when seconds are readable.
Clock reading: 3,56
